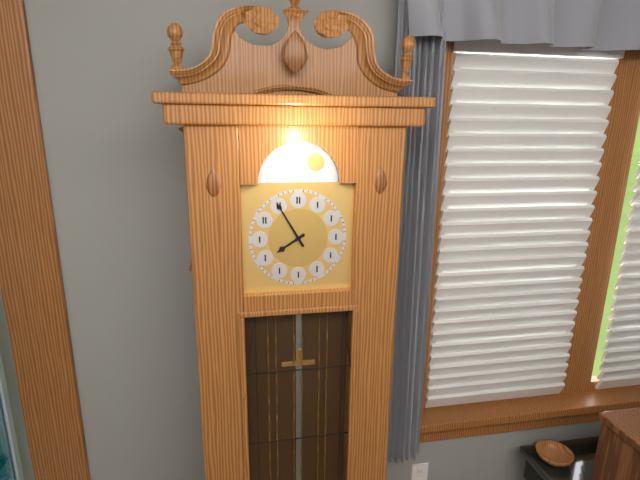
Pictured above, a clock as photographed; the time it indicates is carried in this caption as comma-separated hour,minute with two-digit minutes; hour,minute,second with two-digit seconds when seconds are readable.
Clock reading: 7,55
